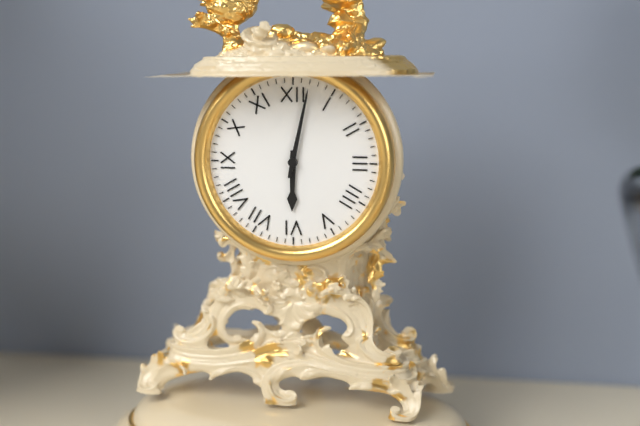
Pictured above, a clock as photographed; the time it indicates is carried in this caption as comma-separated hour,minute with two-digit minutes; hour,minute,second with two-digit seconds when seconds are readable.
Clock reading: 6,02
